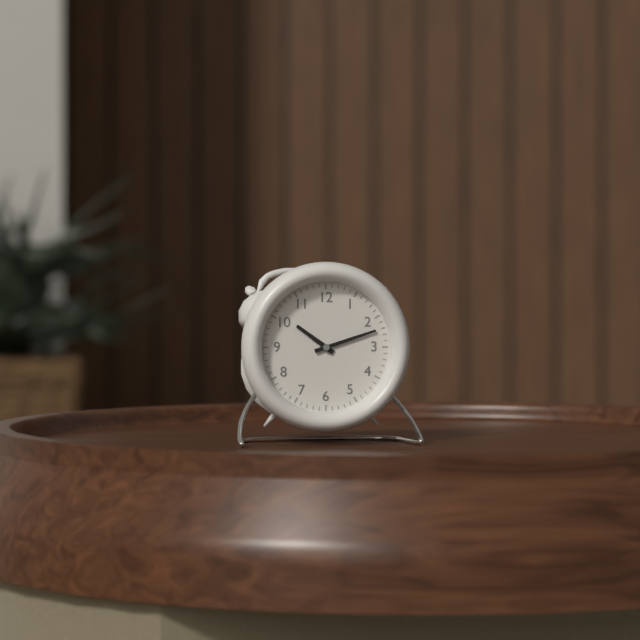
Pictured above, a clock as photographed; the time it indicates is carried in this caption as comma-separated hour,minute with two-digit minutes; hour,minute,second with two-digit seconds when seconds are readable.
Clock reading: 10,12
